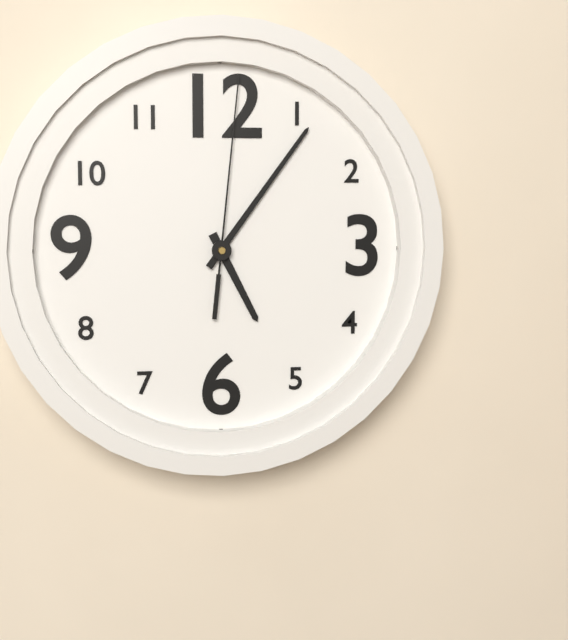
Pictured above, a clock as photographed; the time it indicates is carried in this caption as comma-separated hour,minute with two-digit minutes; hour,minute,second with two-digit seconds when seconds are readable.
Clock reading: 5,06,01
